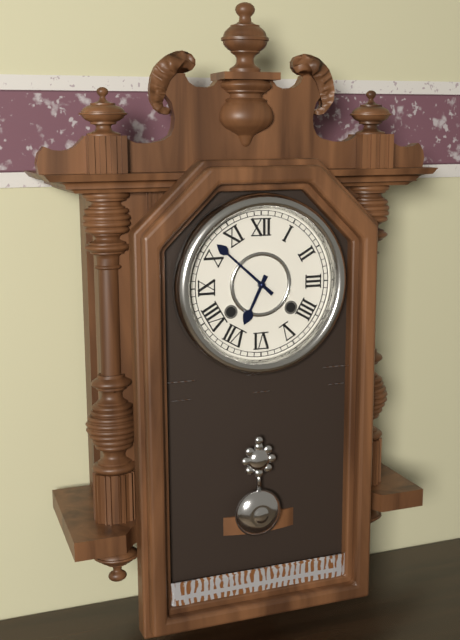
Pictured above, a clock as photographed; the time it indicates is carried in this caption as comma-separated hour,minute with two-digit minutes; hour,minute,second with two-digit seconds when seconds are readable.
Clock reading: 6,52
